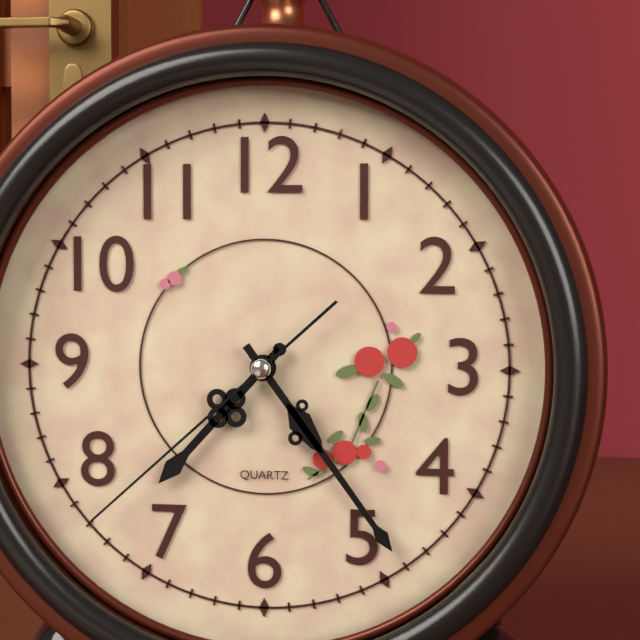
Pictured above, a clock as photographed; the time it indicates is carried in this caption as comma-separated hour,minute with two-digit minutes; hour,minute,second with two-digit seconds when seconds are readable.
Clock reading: 7,24,38
